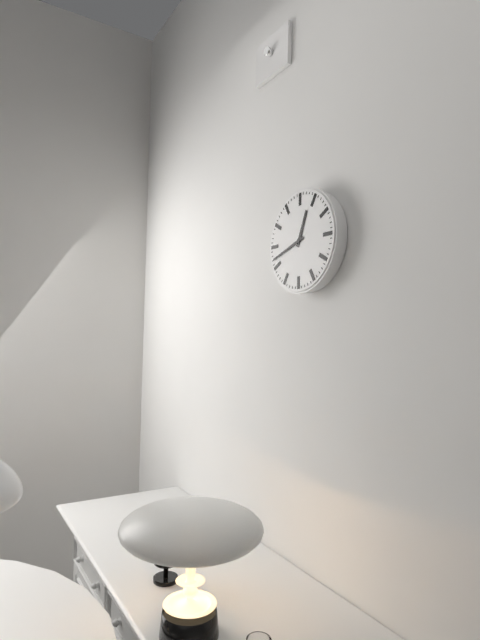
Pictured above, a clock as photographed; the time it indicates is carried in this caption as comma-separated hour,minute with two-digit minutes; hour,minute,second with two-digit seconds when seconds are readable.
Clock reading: 12,42
